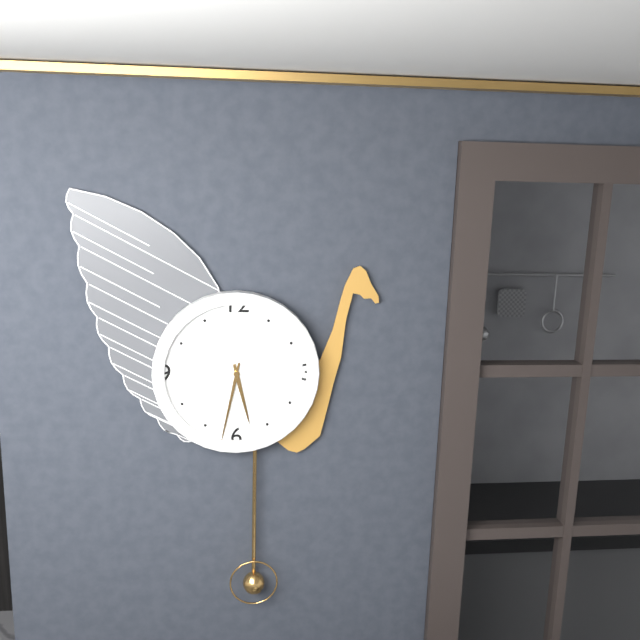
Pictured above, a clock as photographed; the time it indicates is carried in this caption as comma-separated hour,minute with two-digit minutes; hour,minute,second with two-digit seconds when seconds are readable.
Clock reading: 5,32
